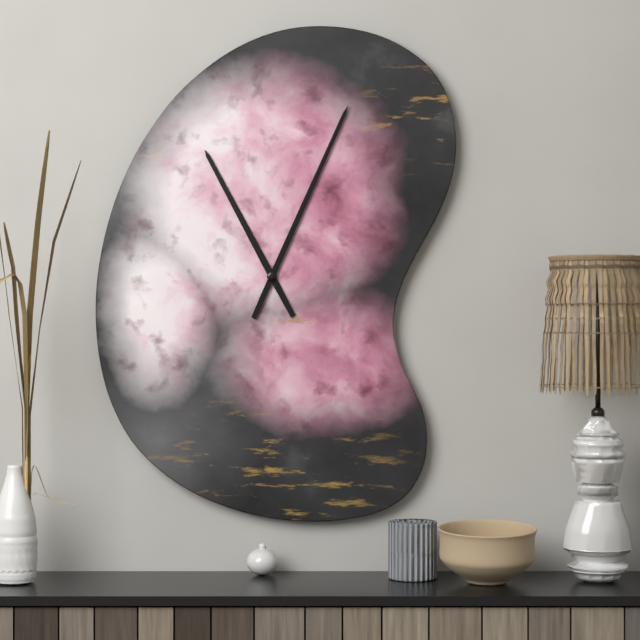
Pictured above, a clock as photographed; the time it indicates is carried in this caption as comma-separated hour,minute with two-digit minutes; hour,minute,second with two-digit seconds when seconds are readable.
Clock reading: 11,04
